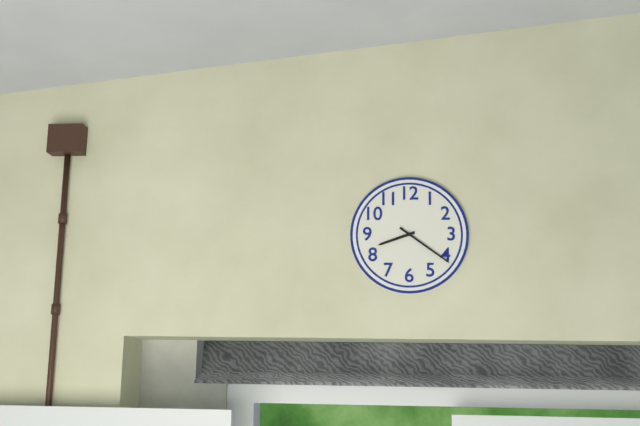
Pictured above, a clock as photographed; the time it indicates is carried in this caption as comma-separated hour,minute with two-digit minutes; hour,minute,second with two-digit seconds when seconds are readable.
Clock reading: 8,21
